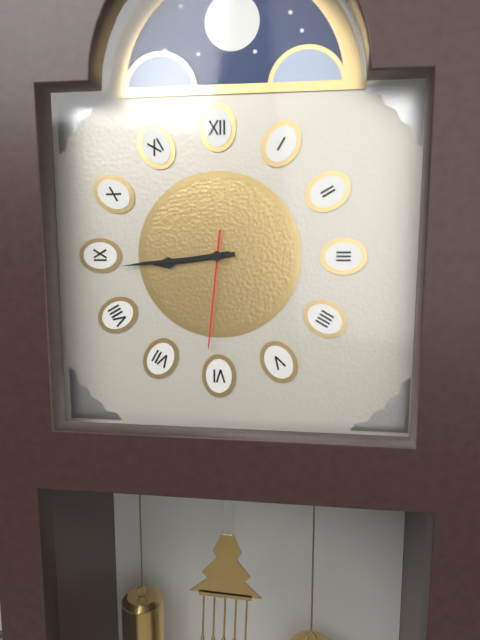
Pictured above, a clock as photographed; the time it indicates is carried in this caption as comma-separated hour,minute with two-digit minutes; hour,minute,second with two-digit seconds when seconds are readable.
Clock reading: 8,44,31
